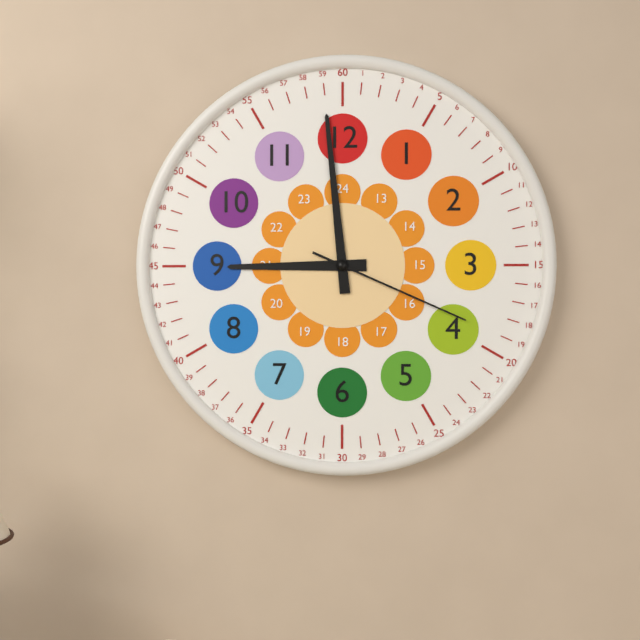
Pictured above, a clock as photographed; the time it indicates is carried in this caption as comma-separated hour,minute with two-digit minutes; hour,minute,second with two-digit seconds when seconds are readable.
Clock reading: 8,59,19
